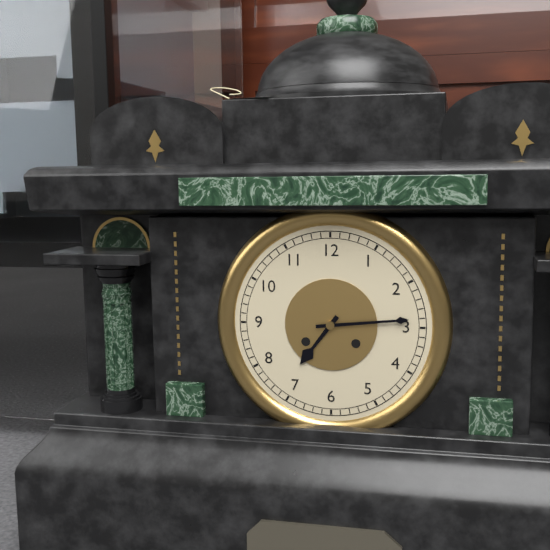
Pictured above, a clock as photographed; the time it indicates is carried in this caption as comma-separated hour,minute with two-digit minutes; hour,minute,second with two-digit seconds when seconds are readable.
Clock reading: 7,14
